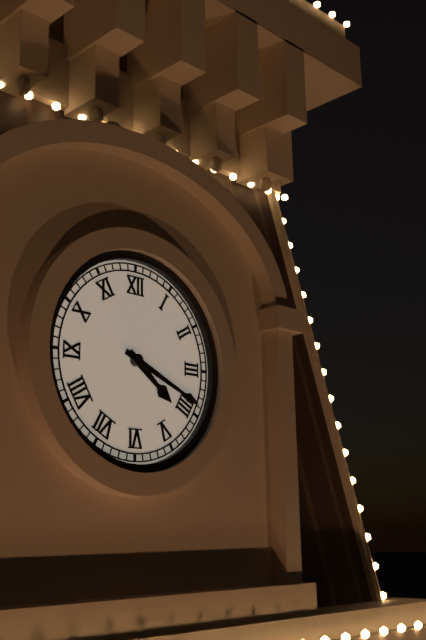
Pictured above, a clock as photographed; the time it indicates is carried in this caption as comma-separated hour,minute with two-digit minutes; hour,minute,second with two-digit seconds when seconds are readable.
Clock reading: 4,19
